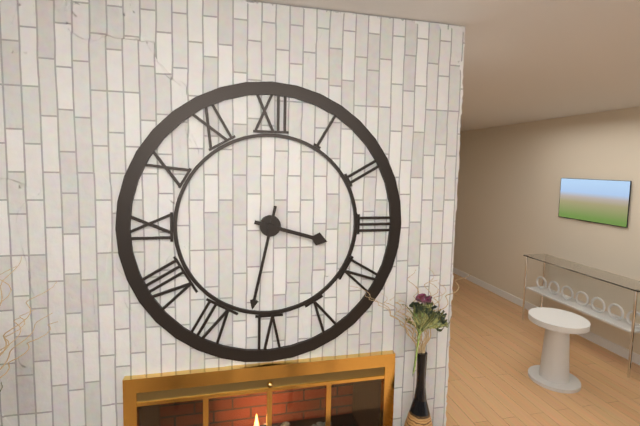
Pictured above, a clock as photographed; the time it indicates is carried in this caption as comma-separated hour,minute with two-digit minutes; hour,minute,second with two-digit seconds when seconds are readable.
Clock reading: 3,32
